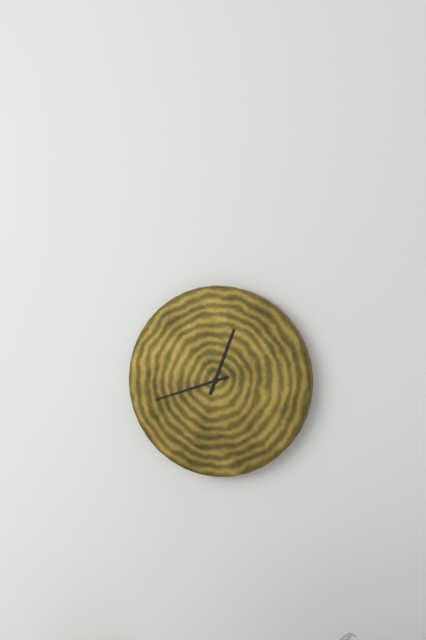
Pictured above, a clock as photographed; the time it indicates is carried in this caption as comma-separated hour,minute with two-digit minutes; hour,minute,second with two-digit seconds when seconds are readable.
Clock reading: 12,42
